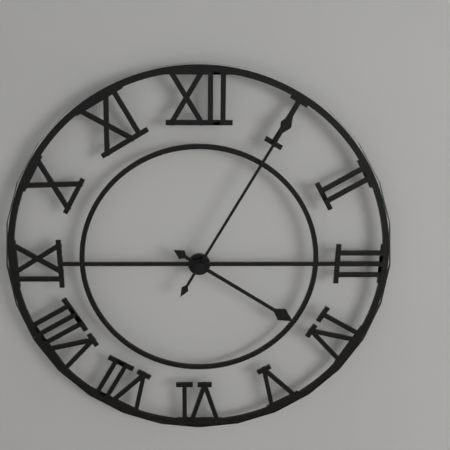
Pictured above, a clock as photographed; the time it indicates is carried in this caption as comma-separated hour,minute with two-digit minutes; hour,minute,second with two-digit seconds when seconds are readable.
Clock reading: 4,05
